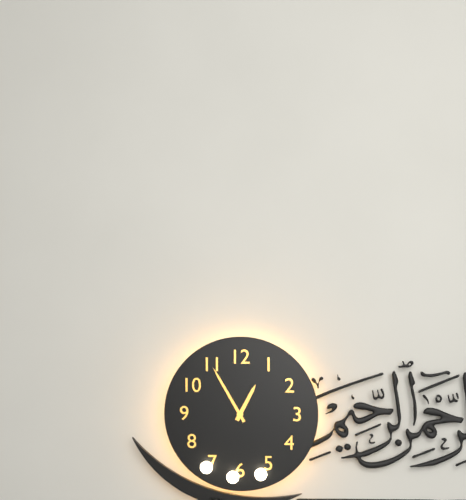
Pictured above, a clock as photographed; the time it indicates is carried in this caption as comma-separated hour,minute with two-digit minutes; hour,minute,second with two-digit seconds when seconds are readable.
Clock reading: 12,55
